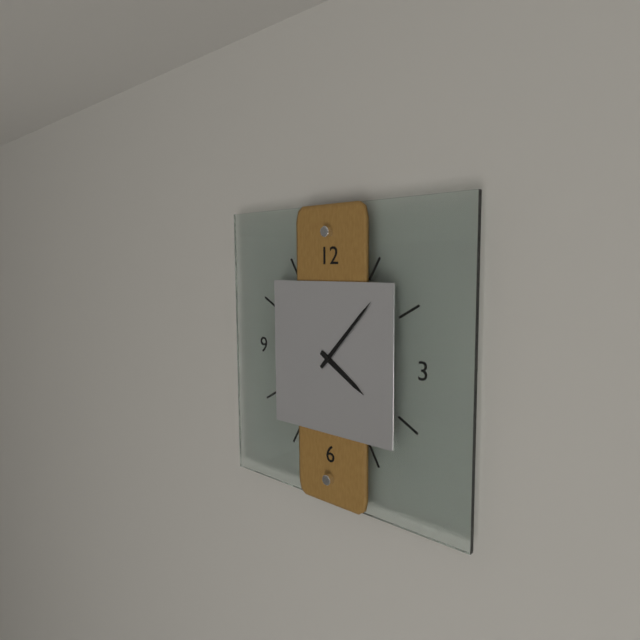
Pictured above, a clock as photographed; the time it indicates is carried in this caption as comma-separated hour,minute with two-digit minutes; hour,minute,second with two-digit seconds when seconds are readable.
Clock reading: 4,07
